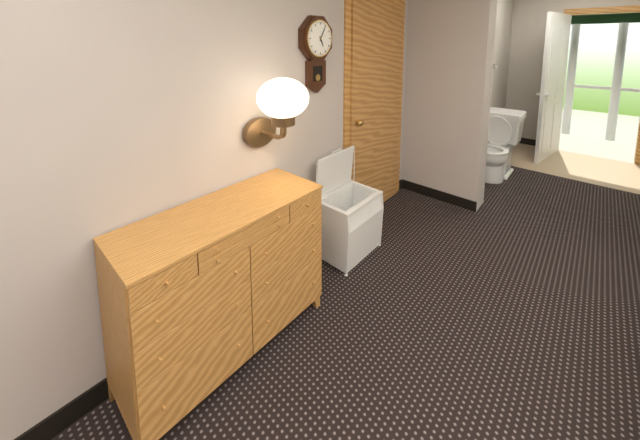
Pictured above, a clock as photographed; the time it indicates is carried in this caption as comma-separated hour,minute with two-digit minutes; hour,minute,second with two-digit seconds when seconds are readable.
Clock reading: 5,05
